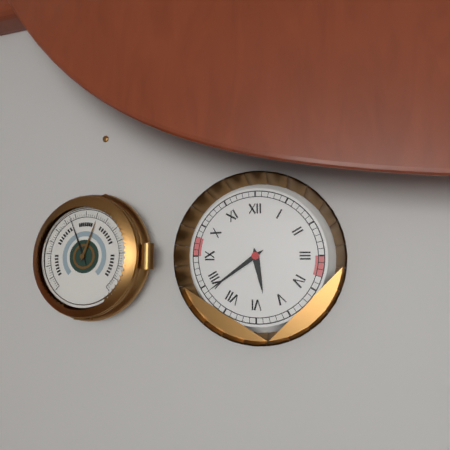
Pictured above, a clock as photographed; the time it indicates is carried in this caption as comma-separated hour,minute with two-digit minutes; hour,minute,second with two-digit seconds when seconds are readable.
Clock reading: 5,39
